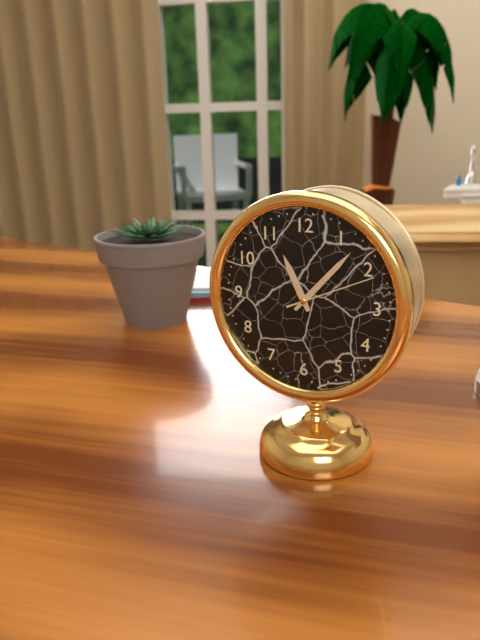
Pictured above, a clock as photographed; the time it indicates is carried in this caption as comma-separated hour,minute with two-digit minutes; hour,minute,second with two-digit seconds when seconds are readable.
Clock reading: 11,07,11
